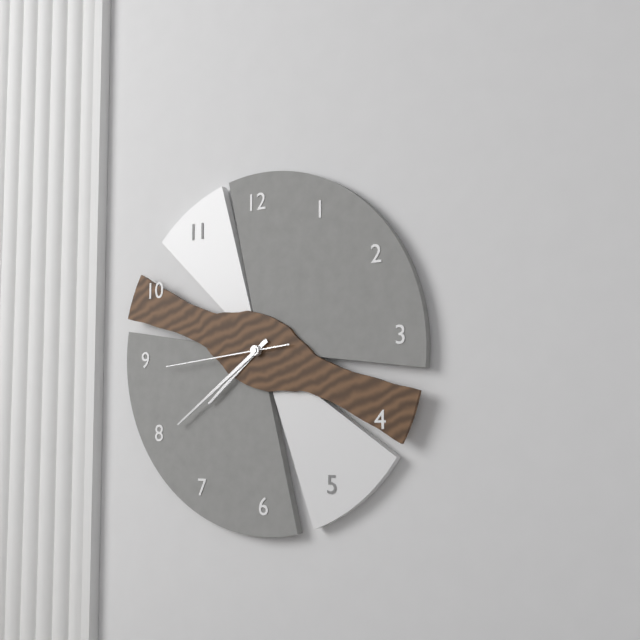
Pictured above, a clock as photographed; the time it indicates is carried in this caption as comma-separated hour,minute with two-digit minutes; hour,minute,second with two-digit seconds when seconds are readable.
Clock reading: 7,39,44
